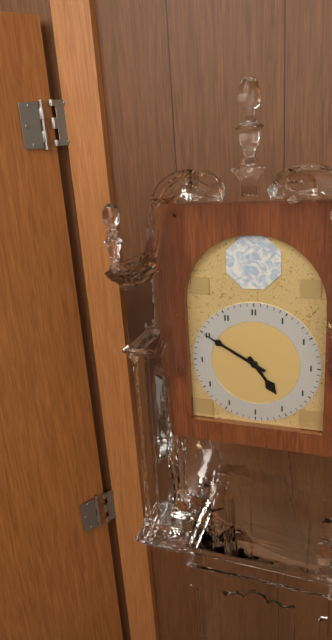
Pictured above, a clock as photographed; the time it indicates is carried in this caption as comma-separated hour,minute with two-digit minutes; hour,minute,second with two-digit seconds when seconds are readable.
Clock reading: 4,50
